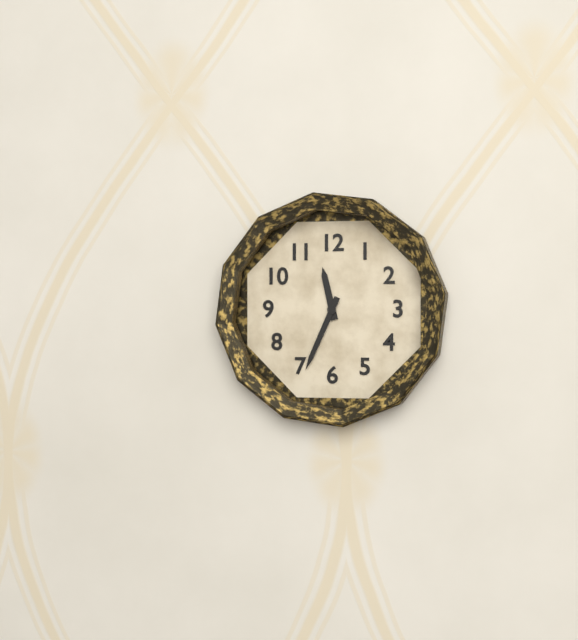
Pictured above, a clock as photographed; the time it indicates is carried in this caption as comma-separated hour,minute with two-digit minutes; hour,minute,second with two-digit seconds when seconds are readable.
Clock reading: 11,34
